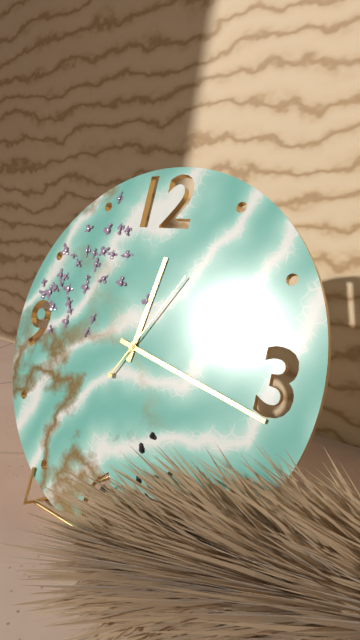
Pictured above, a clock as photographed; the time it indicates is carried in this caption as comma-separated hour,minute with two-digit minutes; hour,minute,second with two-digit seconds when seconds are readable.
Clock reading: 12,17,05
